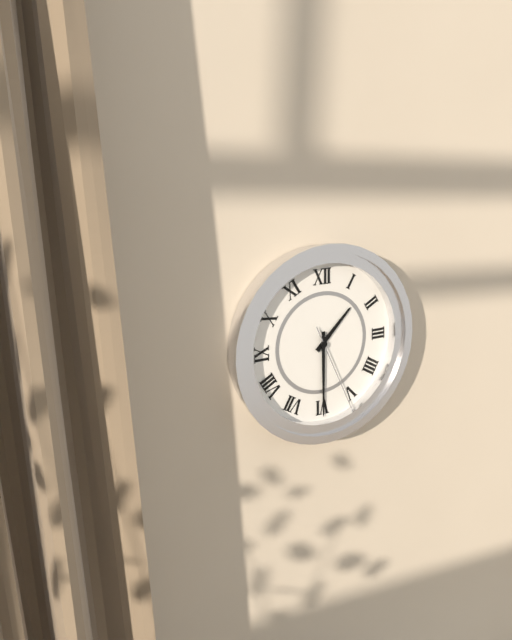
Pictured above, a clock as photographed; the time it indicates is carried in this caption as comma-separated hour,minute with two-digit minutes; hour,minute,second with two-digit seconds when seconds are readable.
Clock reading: 1,30,26
